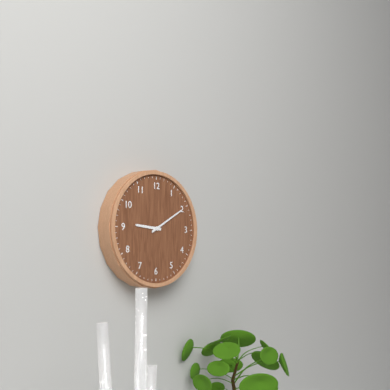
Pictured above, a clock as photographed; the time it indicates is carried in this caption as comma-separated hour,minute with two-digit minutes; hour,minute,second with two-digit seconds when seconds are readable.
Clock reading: 9,10
